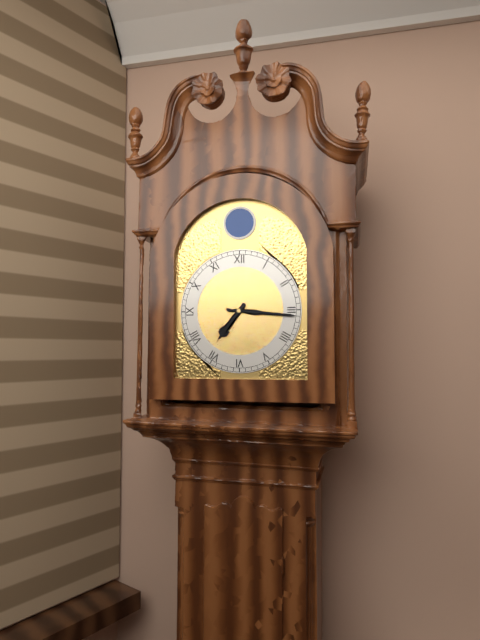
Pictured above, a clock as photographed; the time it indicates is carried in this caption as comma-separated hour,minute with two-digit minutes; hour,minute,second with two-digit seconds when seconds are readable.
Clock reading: 7,16
